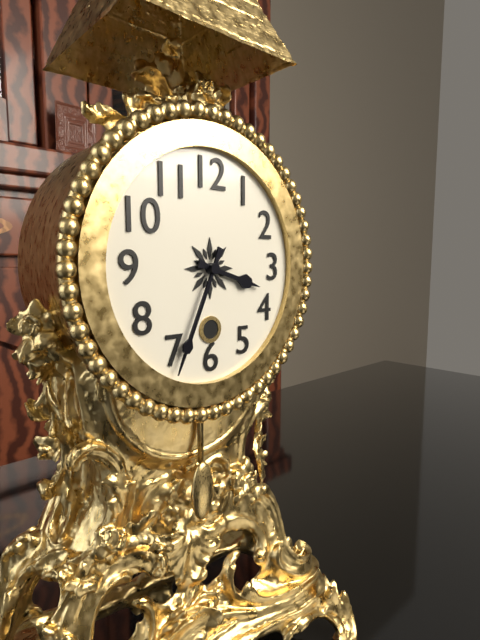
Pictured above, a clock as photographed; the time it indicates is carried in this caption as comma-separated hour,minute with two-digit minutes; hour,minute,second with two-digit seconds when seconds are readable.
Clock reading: 3,34
